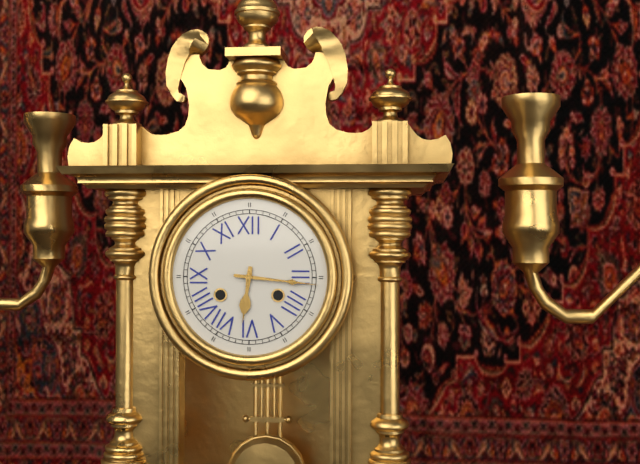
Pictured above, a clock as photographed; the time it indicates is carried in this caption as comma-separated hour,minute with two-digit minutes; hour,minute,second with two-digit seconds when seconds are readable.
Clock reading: 6,16
